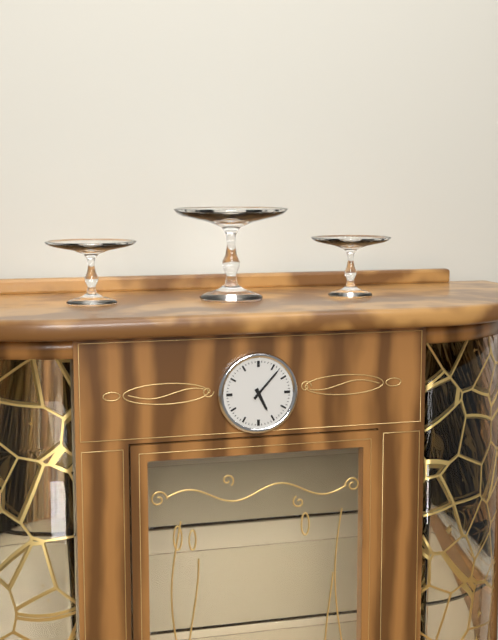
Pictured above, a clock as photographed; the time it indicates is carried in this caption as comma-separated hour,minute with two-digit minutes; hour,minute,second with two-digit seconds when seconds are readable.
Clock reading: 5,07
